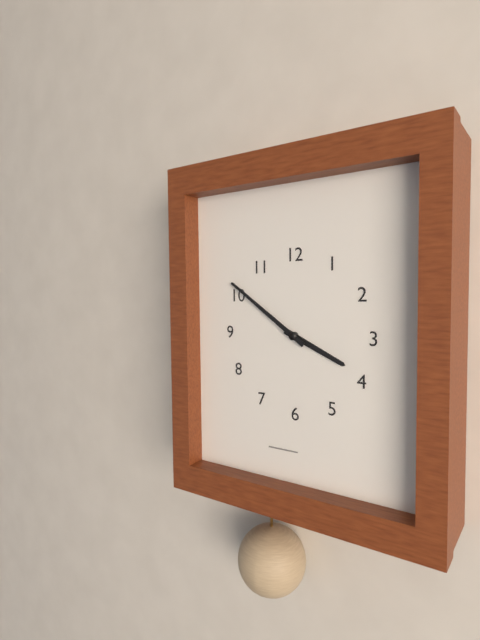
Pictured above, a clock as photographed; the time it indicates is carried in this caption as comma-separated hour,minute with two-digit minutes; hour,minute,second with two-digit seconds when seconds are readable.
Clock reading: 3,51
